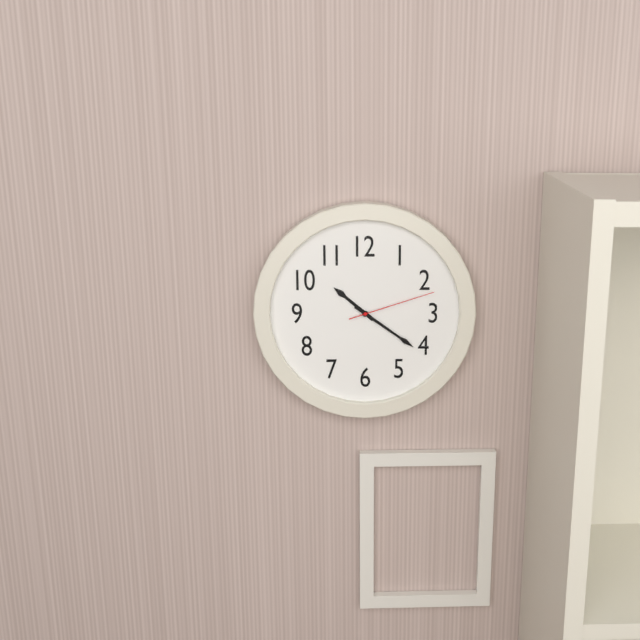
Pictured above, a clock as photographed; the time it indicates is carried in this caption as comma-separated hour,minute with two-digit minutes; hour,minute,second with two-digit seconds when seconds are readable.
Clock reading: 10,21,12
